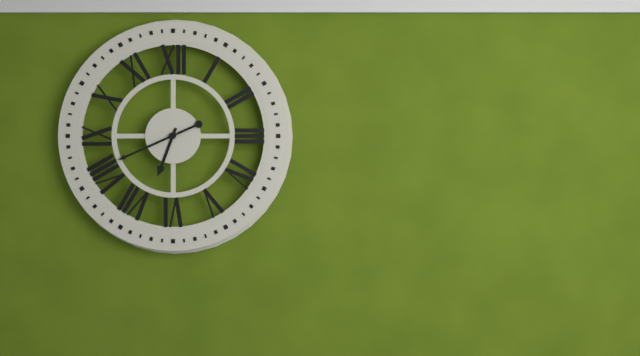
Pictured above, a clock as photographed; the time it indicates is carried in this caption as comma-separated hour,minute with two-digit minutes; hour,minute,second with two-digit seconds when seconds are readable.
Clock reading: 6,41
